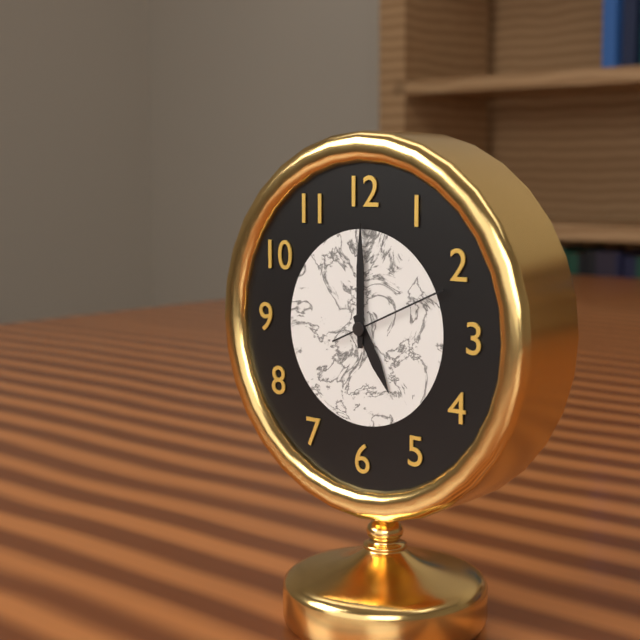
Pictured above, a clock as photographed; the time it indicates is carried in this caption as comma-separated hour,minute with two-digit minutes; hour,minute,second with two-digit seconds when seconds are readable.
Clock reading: 5,00,11
